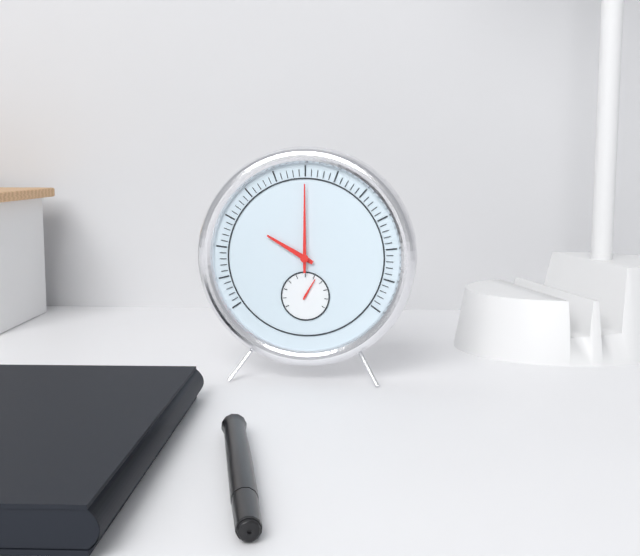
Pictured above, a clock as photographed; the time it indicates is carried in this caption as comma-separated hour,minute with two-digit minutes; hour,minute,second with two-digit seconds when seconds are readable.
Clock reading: 10,00
